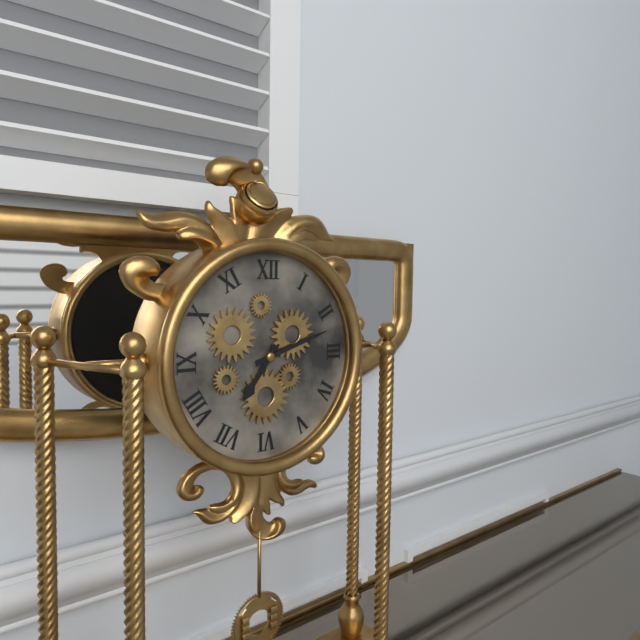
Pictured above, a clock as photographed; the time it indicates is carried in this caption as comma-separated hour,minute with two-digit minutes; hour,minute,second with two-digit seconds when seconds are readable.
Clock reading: 7,12
